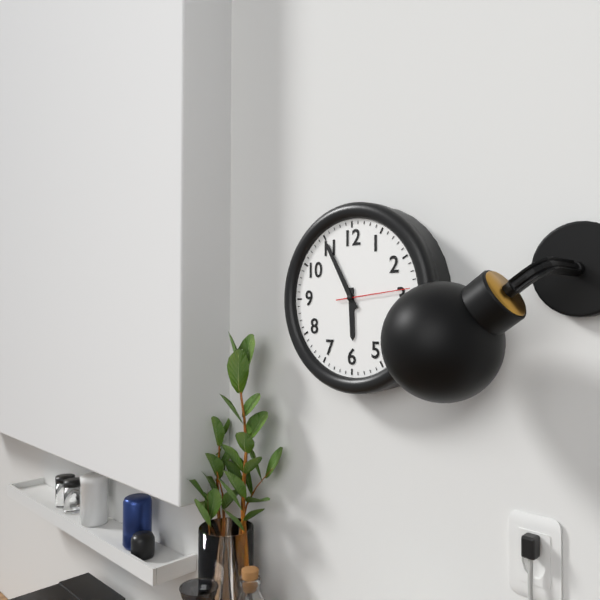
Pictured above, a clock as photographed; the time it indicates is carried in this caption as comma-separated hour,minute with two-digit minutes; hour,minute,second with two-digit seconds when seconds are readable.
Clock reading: 5,55,14
